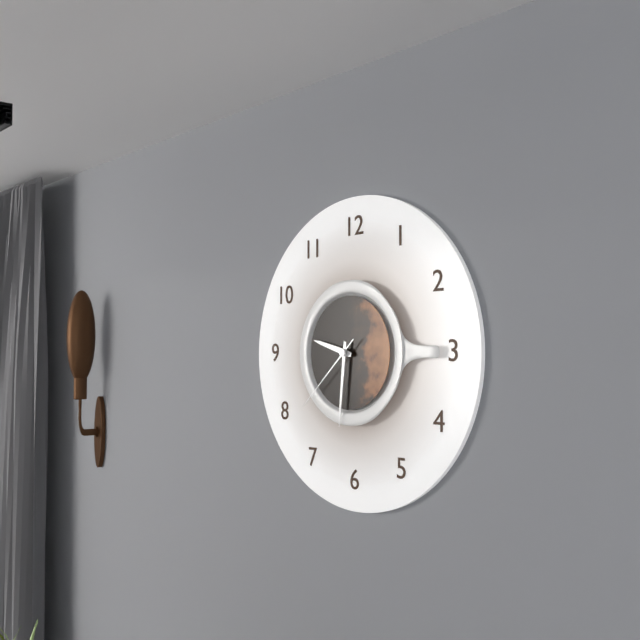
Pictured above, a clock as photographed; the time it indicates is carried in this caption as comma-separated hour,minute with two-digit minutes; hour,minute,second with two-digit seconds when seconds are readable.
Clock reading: 9,31,38
